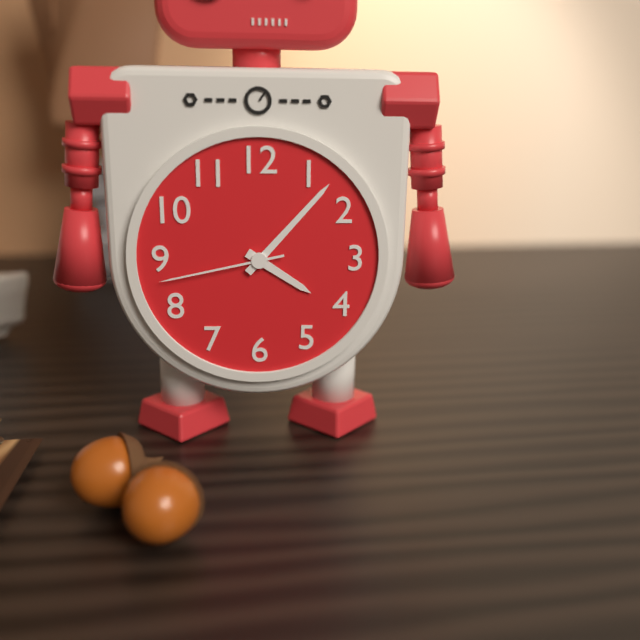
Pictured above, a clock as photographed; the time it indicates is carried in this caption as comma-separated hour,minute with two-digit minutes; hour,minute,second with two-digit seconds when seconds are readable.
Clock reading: 4,07,43
